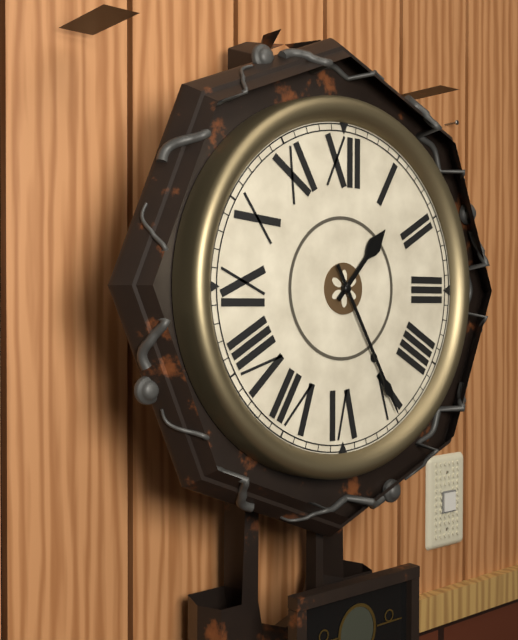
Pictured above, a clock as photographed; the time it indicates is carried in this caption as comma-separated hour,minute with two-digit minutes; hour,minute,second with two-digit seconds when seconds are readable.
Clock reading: 1,25
